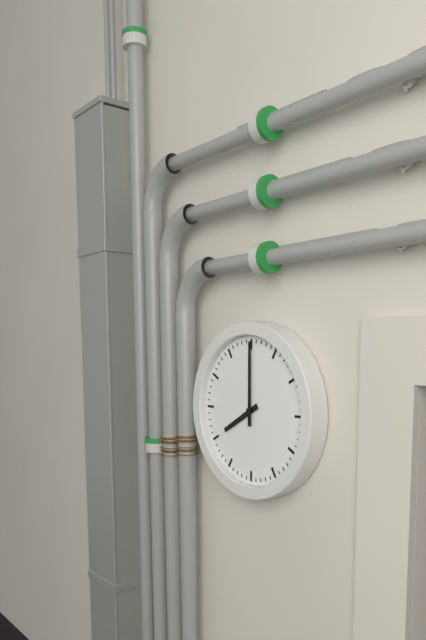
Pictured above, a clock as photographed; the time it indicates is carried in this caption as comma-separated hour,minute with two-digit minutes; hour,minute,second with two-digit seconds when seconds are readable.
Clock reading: 8,00
